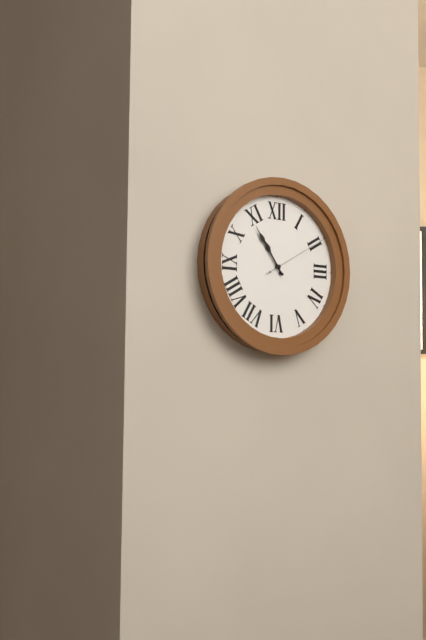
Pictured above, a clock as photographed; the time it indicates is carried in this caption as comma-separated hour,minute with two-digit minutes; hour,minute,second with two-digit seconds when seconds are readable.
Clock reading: 10,54,10
